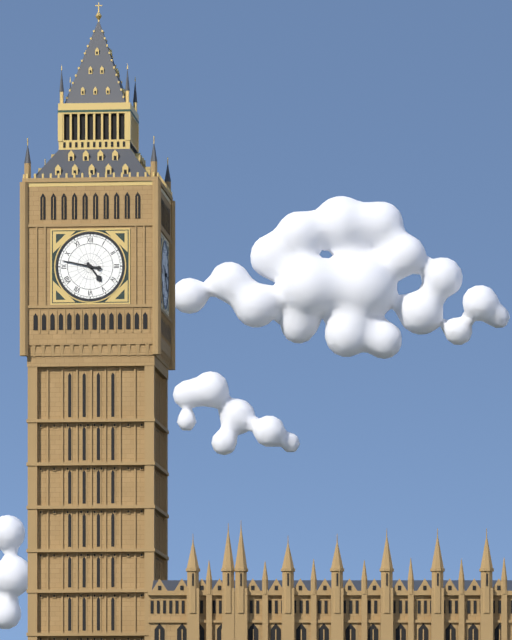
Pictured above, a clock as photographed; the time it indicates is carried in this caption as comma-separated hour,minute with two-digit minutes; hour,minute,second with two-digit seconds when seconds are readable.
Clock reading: 4,47
